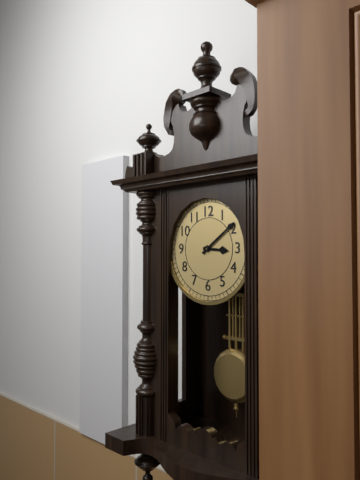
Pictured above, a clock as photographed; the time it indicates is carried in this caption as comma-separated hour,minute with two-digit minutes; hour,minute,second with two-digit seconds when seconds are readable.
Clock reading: 3,09
